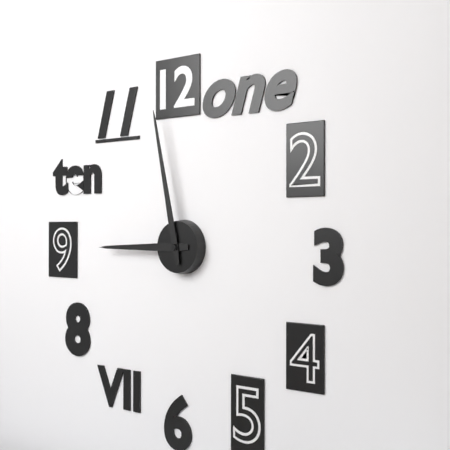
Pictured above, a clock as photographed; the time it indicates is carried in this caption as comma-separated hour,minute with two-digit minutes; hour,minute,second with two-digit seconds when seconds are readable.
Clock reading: 8,58
